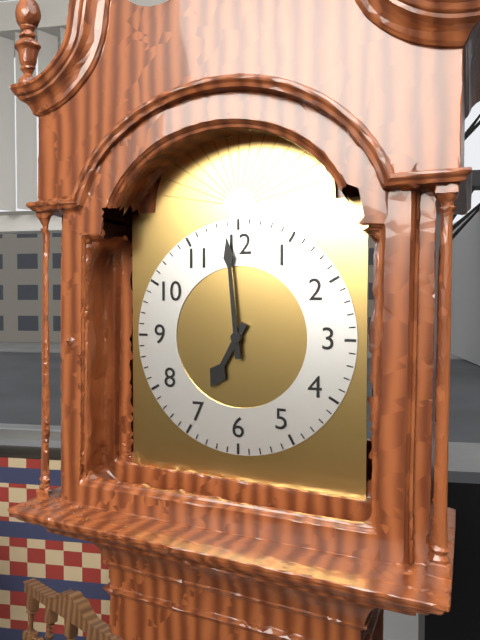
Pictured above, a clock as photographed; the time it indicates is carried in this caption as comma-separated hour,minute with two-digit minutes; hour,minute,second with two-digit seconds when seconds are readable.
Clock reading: 6,59
